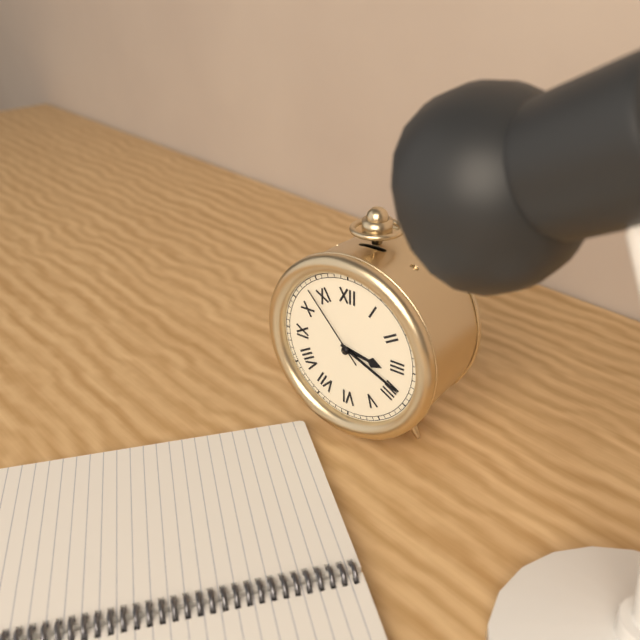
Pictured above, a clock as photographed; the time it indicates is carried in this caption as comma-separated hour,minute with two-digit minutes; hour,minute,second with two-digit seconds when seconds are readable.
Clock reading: 3,19,53
